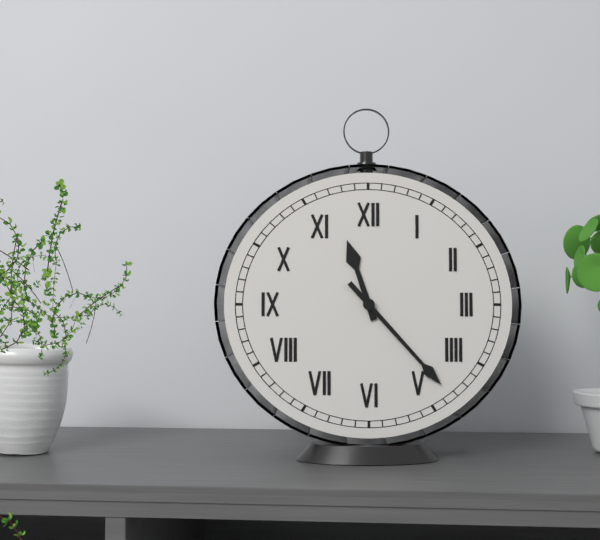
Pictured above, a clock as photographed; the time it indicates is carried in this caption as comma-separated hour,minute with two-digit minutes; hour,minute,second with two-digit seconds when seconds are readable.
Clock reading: 11,23
